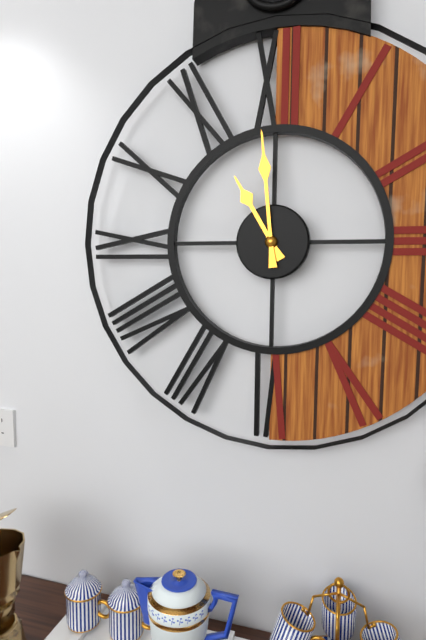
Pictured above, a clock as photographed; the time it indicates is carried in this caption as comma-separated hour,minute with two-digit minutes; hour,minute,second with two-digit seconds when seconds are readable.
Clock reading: 10,59
